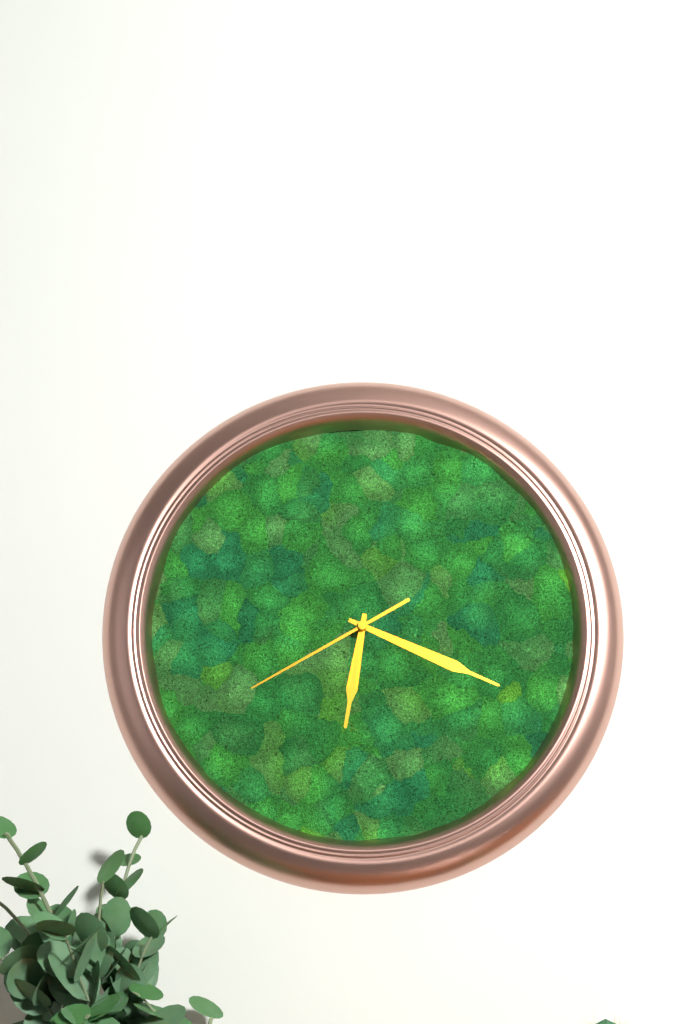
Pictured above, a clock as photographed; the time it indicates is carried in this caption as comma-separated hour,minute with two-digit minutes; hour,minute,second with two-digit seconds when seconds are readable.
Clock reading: 6,19,40
